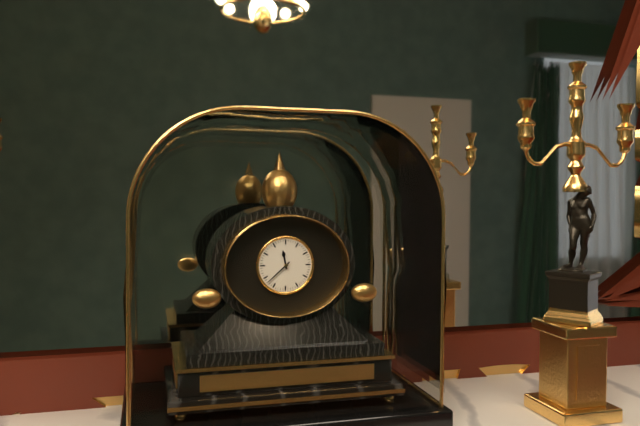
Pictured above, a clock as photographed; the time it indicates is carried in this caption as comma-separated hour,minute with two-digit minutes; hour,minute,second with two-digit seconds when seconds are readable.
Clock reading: 11,38
